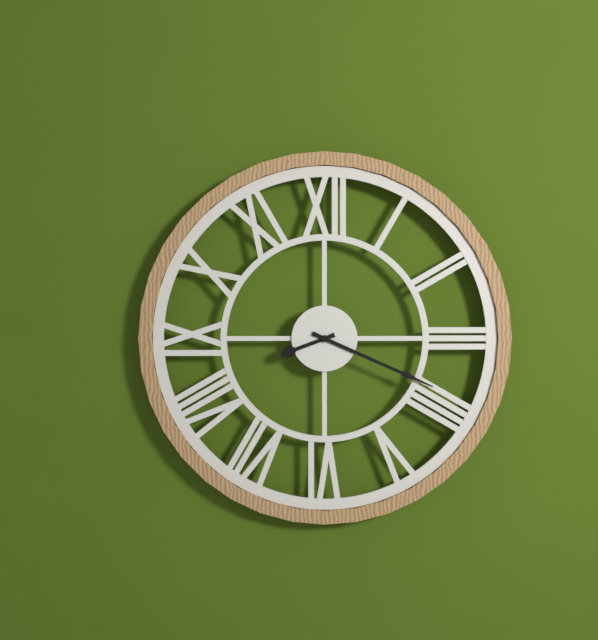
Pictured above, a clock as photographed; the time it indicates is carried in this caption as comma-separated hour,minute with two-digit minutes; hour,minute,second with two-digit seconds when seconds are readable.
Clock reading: 8,19
